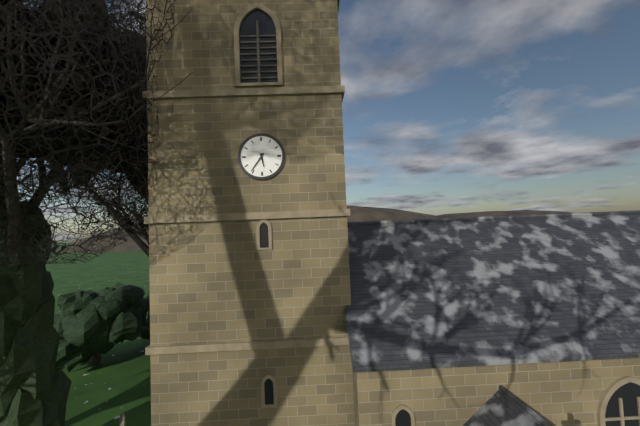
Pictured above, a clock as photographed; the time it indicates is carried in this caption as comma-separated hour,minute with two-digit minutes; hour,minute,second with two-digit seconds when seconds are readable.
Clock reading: 5,36
